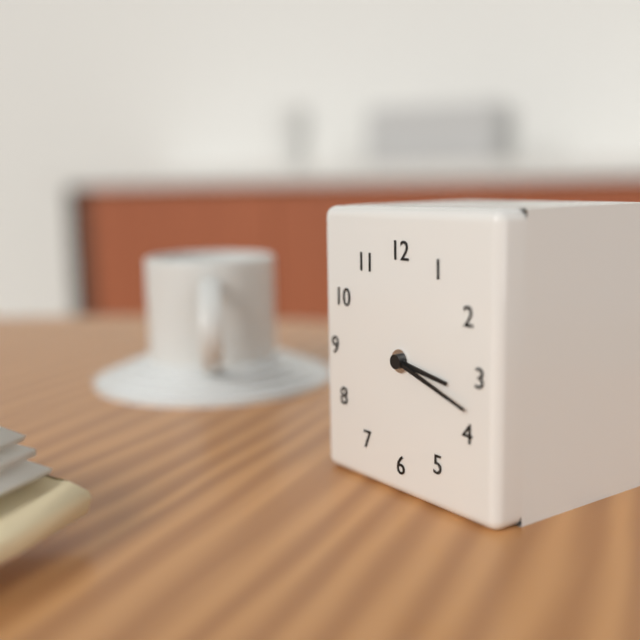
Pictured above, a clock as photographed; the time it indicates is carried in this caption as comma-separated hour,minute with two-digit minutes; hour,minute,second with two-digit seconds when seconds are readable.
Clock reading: 3,18
